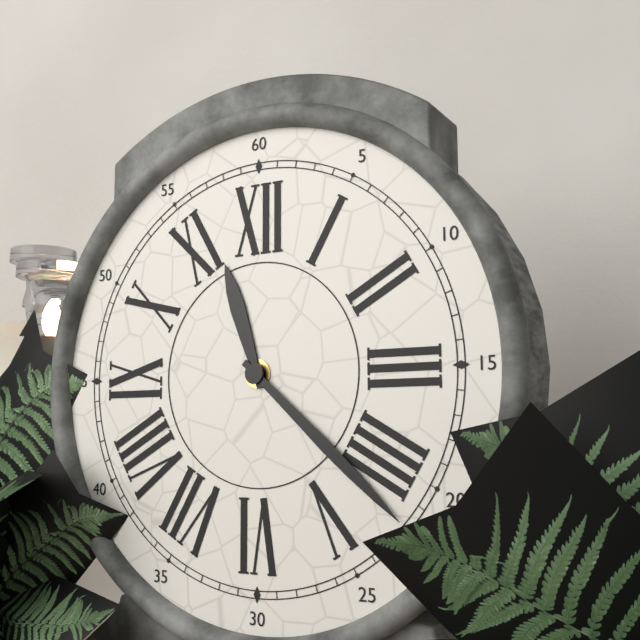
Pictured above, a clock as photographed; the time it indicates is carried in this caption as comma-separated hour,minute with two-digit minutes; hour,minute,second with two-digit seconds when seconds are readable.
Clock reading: 11,22
